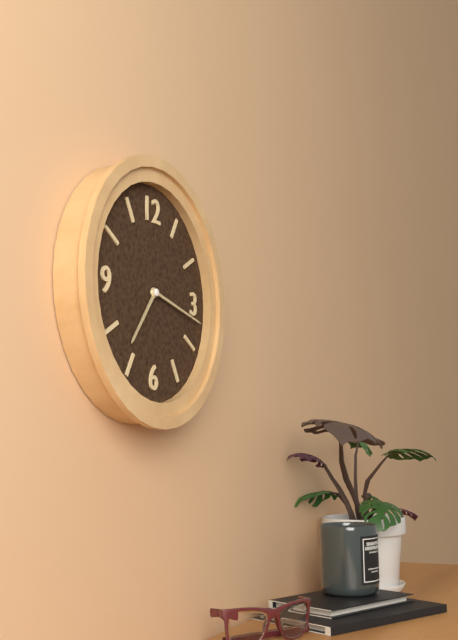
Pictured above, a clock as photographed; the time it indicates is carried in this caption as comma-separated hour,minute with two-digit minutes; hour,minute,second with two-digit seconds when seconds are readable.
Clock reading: 7,17
